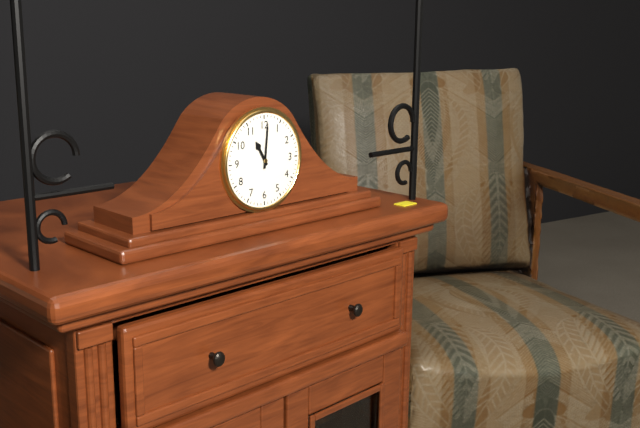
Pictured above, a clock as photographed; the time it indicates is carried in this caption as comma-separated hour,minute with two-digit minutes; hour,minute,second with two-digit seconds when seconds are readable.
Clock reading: 11,01
